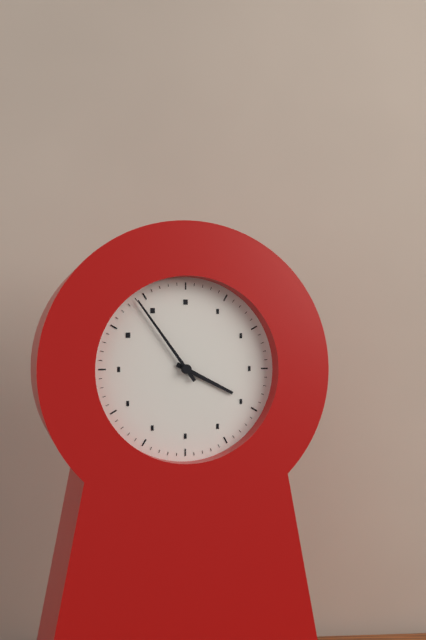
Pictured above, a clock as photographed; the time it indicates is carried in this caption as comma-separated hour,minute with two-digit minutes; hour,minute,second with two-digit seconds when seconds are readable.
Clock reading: 3,54
